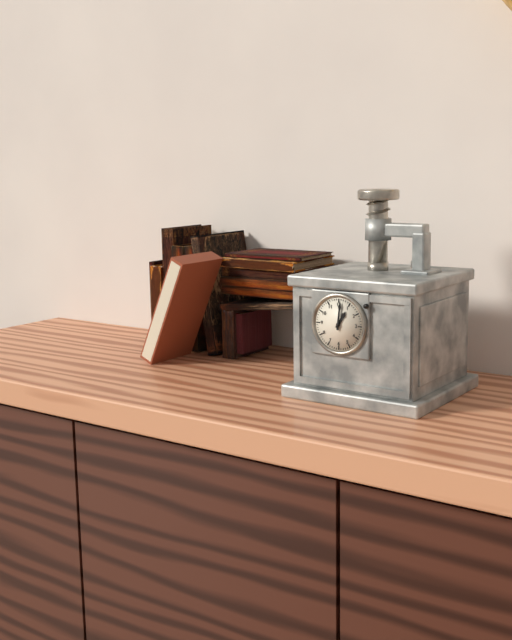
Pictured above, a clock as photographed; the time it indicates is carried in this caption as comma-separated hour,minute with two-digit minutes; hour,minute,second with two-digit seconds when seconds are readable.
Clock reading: 1,01
